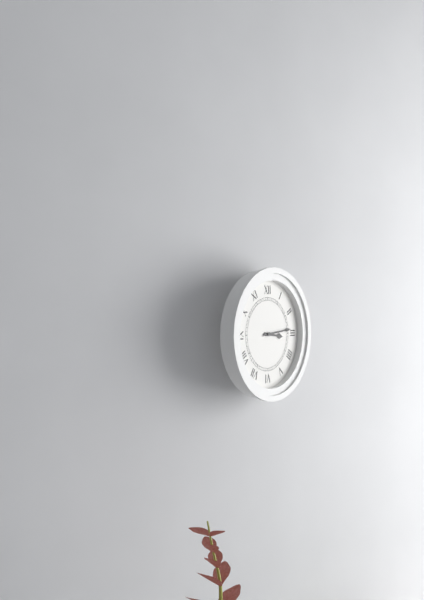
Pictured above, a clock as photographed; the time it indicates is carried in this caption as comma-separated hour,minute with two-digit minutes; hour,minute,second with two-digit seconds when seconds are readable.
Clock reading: 3,14
